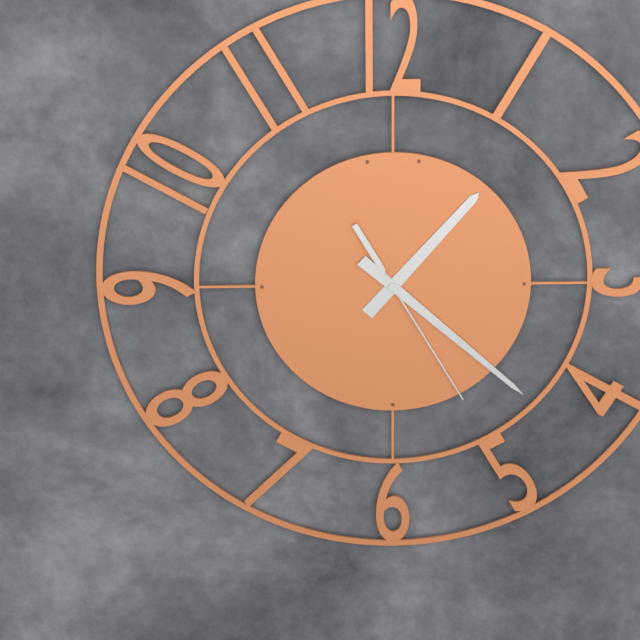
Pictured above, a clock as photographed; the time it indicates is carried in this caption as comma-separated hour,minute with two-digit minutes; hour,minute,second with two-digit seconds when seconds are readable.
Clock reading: 1,22,25
